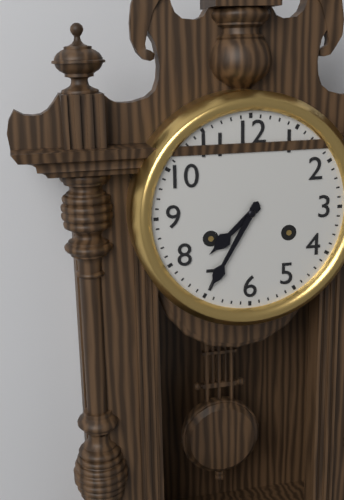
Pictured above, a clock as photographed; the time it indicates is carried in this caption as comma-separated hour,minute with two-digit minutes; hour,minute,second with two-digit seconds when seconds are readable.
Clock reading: 7,35
